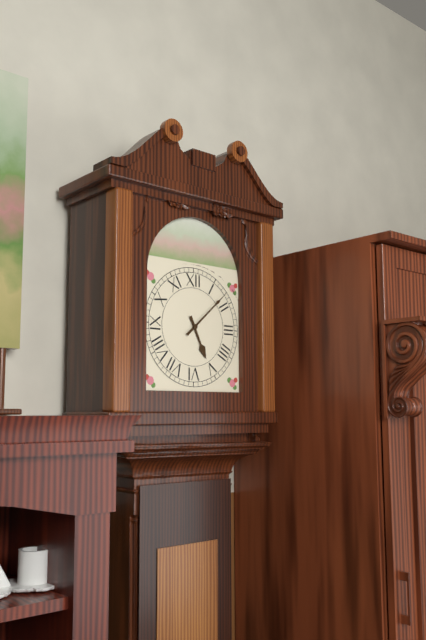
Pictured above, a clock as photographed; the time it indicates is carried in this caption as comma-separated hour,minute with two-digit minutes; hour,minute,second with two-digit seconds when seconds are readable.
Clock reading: 5,08
